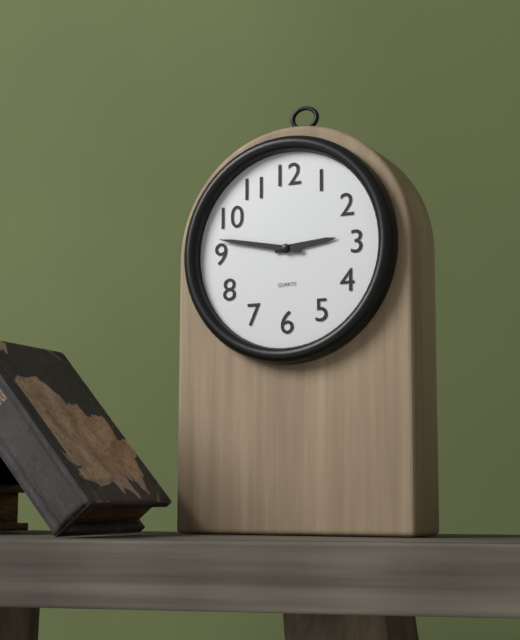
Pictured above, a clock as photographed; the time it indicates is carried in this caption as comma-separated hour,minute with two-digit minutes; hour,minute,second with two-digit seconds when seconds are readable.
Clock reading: 2,47
